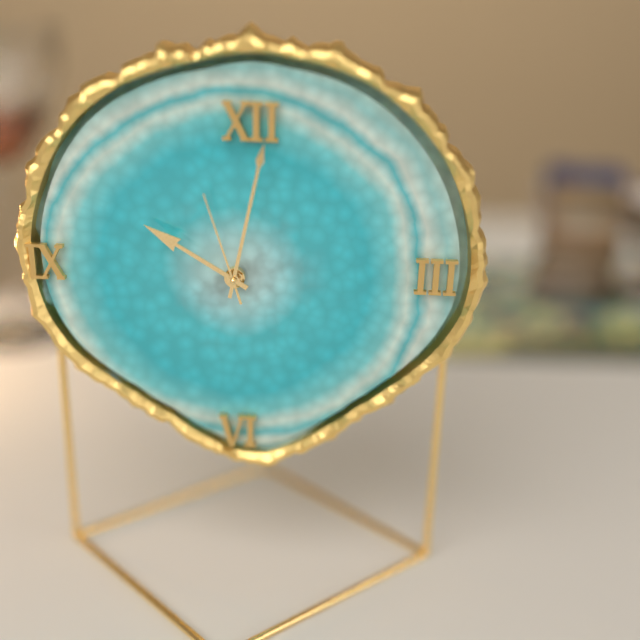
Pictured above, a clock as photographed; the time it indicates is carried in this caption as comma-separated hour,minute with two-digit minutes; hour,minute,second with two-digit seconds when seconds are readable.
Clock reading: 10,02,57
